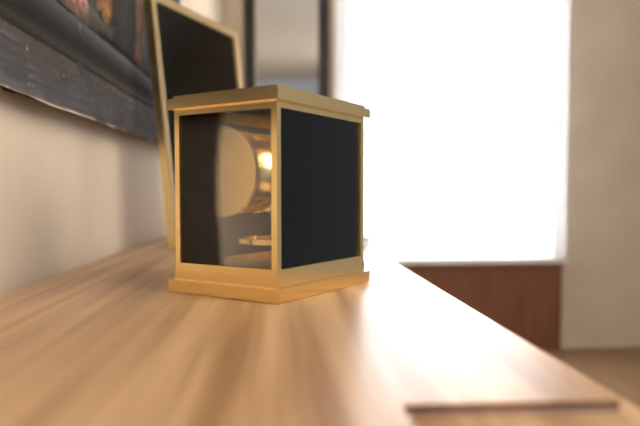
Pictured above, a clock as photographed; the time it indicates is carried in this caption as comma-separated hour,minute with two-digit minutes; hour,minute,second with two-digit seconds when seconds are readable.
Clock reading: 3,33
